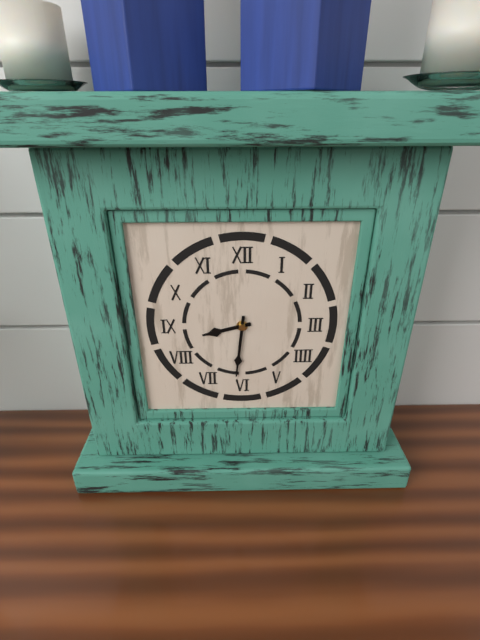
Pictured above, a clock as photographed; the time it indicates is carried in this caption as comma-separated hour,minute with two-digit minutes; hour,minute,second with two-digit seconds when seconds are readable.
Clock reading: 8,31
